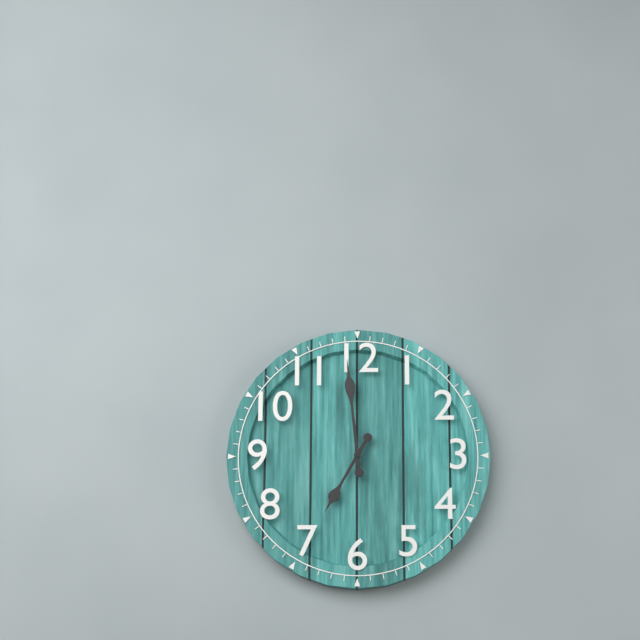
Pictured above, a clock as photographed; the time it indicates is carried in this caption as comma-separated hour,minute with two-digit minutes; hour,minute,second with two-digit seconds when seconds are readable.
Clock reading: 6,59
